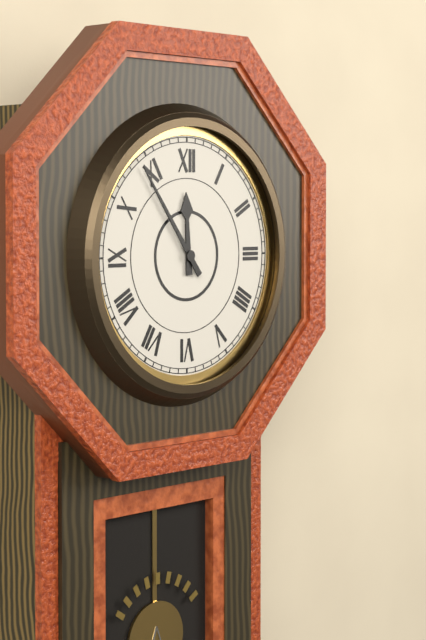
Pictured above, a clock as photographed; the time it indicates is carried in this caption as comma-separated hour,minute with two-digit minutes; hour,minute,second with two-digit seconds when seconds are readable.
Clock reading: 11,54
